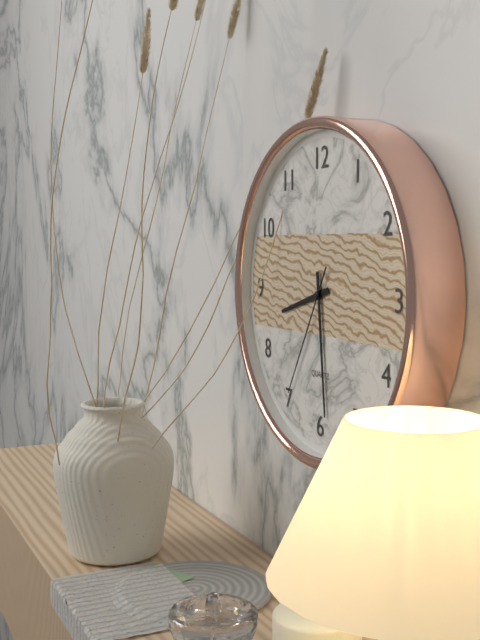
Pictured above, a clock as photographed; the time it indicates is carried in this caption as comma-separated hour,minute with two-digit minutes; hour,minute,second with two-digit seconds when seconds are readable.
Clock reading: 8,29,35
